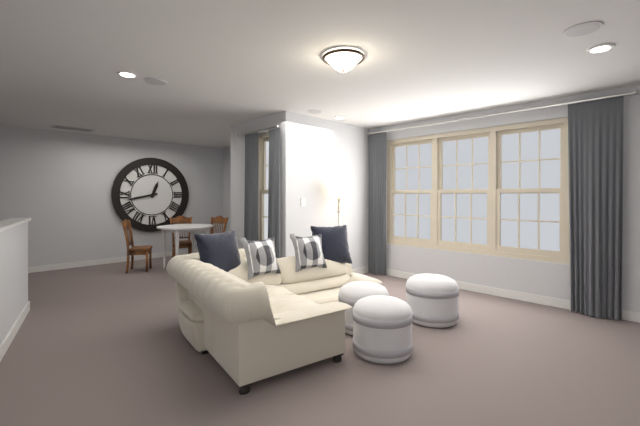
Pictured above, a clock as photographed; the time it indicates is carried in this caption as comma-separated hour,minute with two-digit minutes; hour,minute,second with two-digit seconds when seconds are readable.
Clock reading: 12,43
